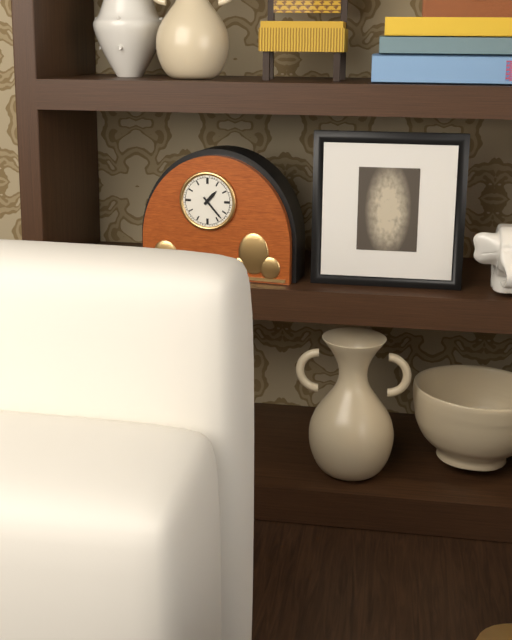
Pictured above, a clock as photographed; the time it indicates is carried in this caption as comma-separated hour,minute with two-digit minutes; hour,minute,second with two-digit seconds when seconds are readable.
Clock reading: 1,23
